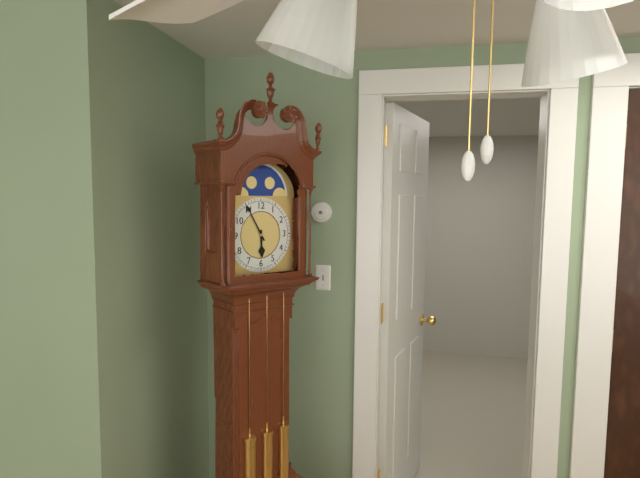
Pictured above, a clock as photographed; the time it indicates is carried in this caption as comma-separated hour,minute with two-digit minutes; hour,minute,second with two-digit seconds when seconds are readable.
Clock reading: 5,55
